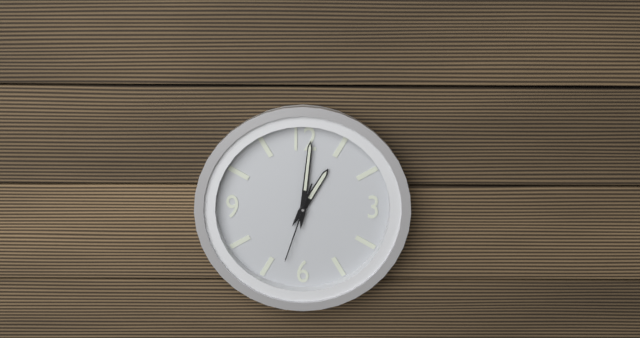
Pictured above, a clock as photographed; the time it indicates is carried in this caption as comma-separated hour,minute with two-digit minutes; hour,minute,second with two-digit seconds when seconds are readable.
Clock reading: 1,01,33
